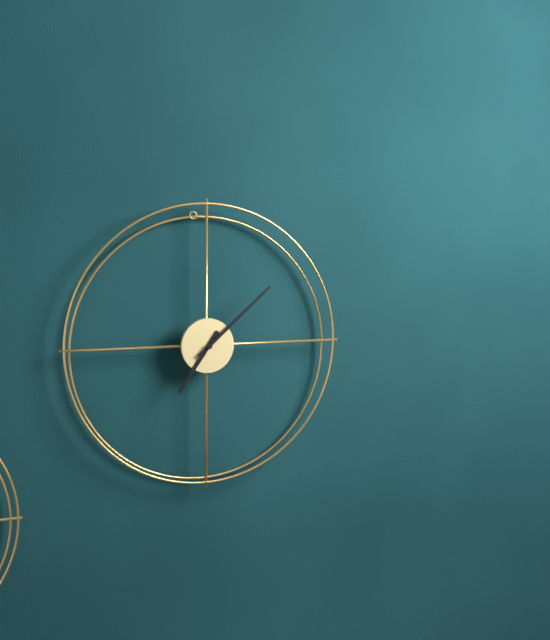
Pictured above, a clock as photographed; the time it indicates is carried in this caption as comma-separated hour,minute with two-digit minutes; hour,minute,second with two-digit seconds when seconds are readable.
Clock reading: 7,08
